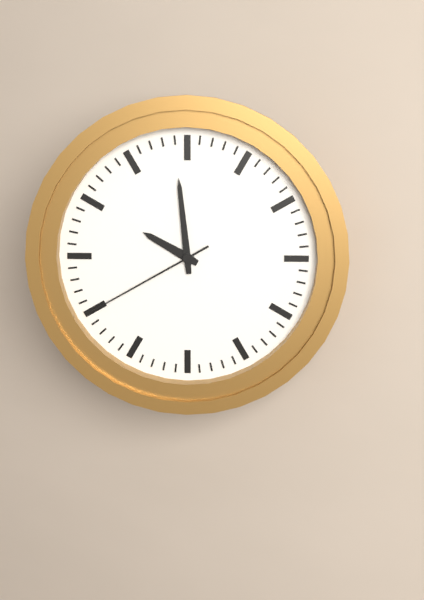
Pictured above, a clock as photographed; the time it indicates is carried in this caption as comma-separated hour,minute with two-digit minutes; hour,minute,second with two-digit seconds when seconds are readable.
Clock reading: 9,59,40
